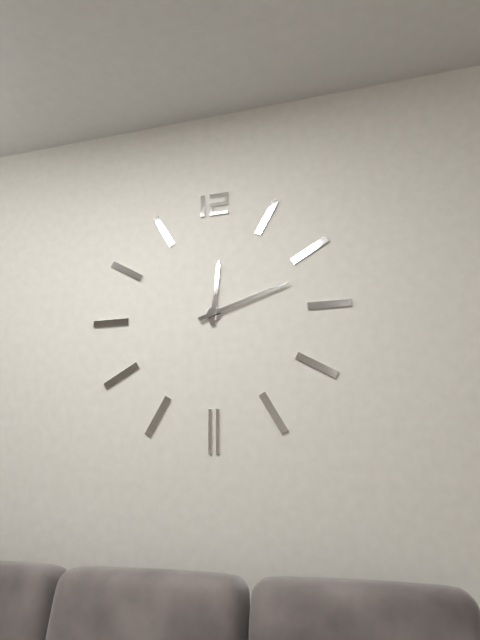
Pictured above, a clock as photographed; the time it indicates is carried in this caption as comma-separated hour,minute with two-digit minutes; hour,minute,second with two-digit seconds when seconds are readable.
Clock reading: 12,12
